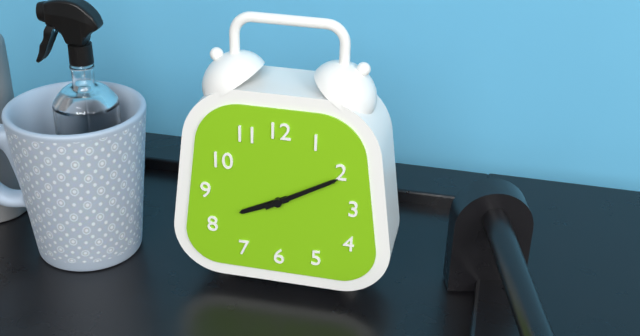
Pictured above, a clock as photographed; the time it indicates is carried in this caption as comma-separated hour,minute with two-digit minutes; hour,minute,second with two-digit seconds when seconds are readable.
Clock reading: 8,10
